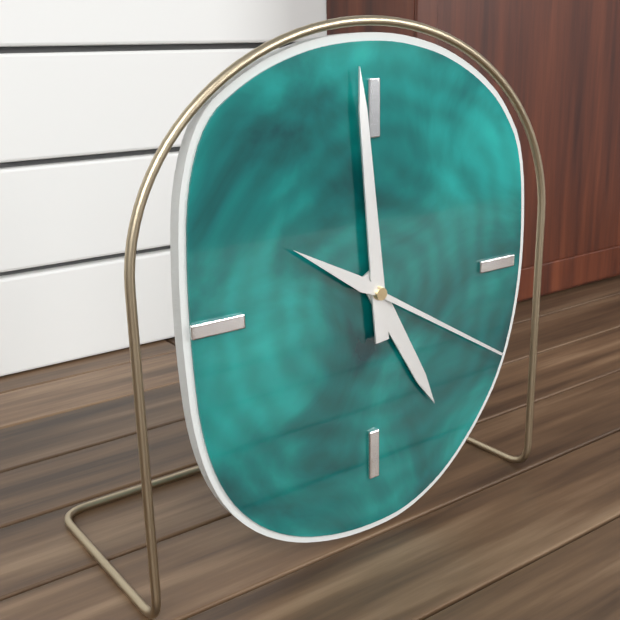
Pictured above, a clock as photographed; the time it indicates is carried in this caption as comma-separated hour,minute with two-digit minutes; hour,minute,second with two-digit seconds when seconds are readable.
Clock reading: 4,59,20
